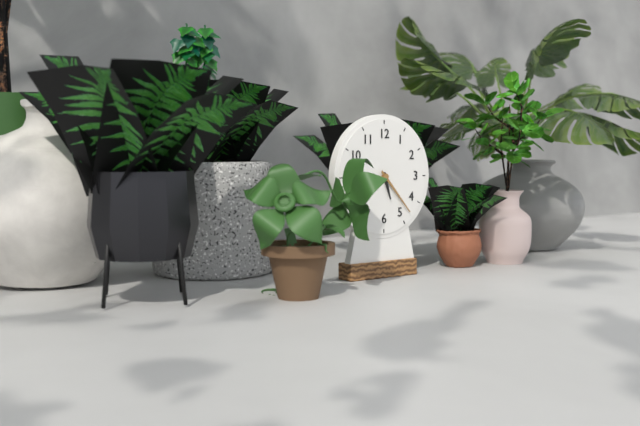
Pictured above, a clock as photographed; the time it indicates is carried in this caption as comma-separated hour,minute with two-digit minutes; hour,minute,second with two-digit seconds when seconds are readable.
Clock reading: 5,23
